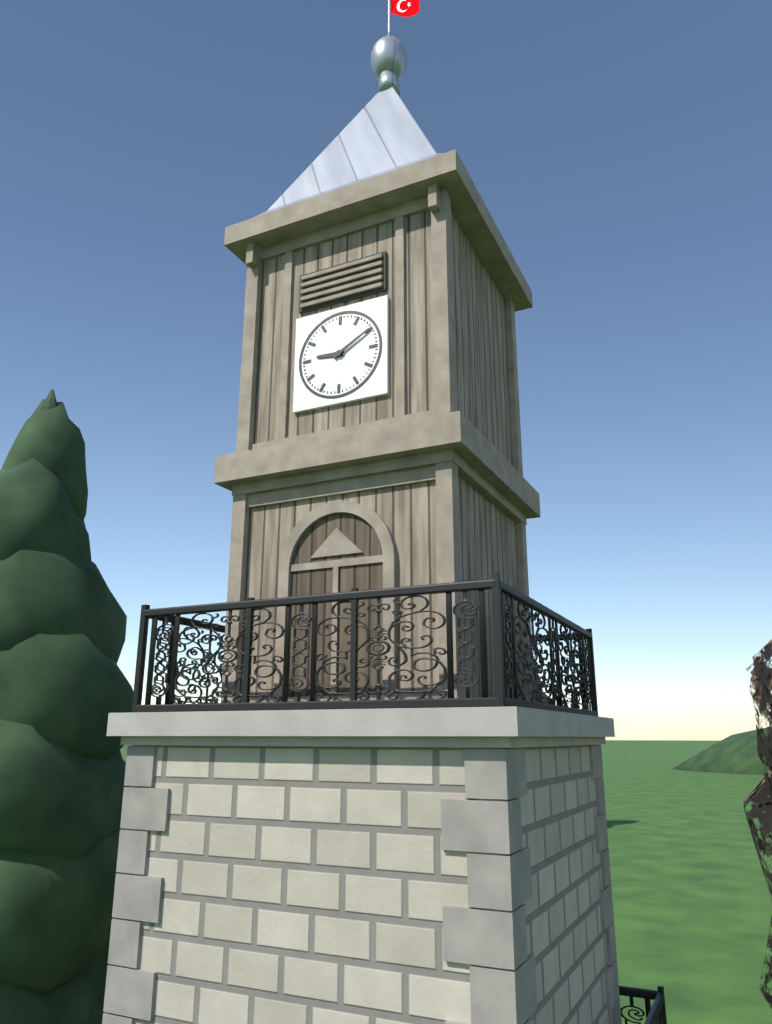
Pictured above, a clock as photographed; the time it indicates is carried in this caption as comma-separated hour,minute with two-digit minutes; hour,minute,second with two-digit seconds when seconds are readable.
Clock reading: 9,10
